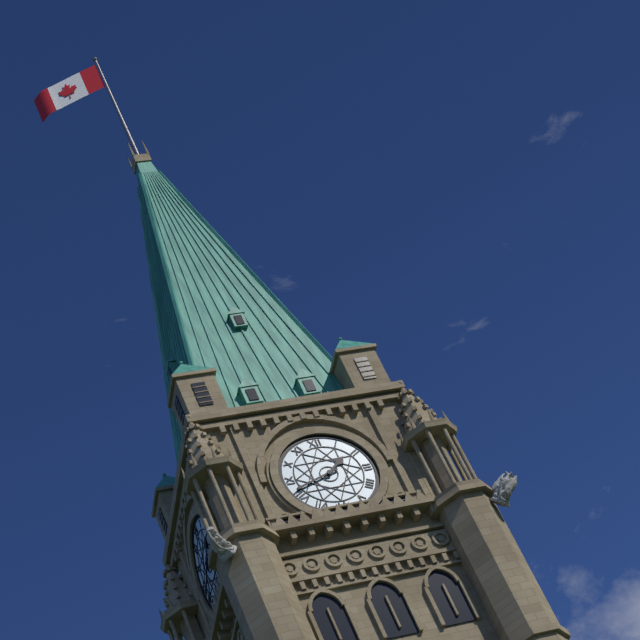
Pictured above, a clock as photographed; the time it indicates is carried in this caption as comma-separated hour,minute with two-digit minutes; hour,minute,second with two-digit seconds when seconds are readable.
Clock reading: 1,42
